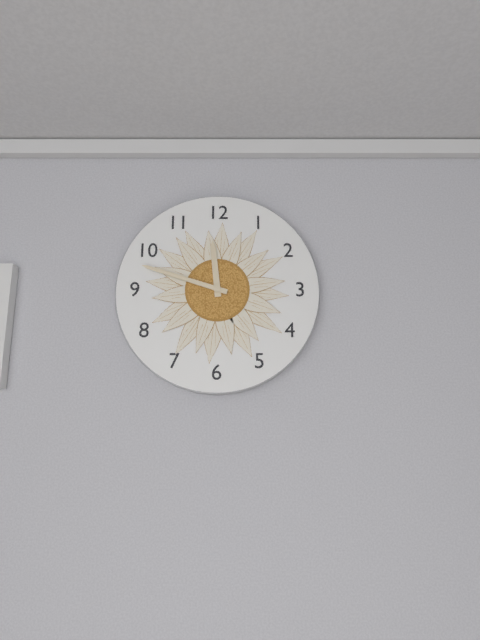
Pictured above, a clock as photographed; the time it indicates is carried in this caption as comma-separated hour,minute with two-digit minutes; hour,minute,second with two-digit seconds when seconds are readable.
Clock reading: 11,48
